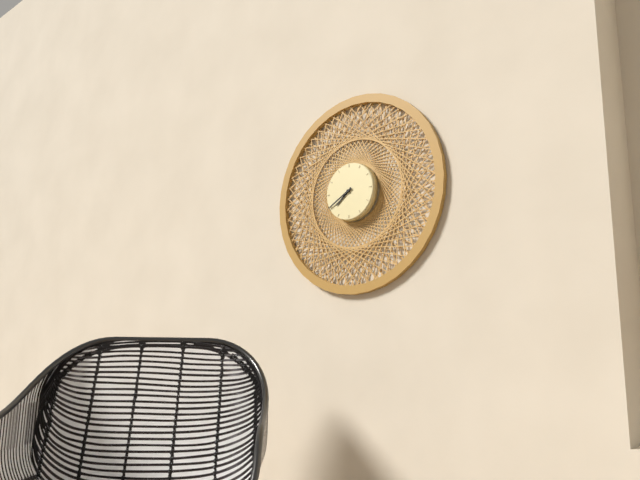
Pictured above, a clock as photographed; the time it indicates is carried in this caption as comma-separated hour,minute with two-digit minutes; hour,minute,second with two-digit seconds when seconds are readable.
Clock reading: 7,40
